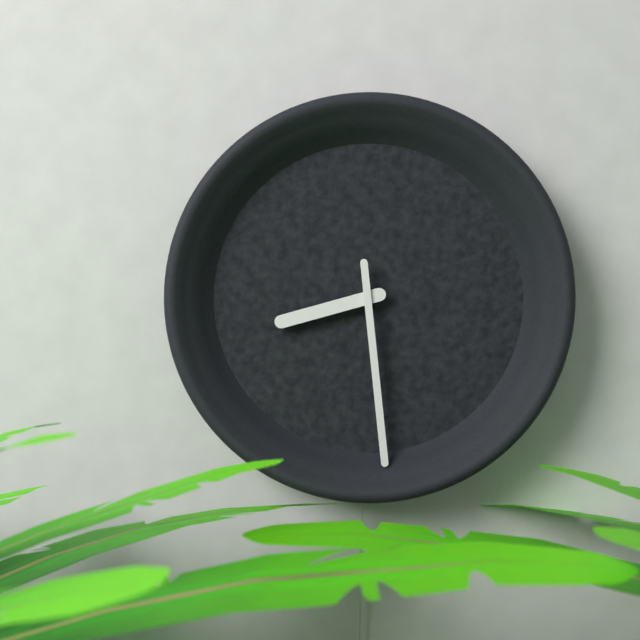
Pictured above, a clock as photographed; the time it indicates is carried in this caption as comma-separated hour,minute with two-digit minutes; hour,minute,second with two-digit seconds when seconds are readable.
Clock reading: 8,29
